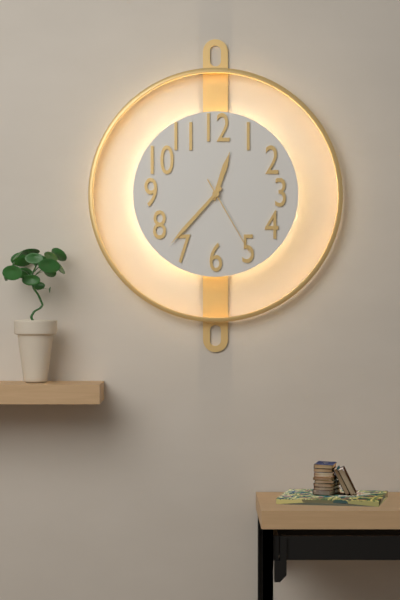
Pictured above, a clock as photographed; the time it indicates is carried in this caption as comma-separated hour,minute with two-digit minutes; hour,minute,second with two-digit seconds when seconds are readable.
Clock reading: 12,37,25
